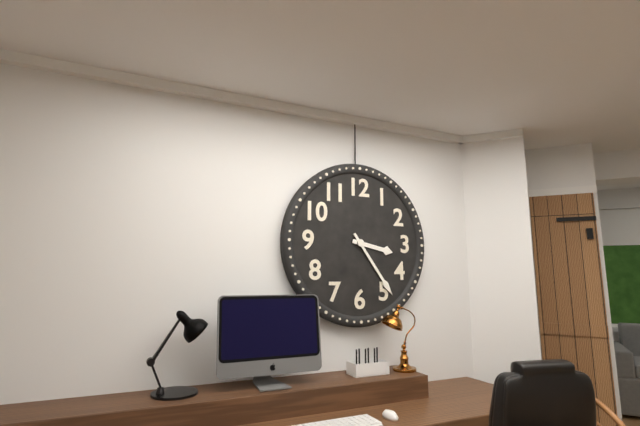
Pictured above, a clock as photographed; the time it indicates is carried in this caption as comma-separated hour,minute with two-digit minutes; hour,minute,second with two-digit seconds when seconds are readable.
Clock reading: 3,24
